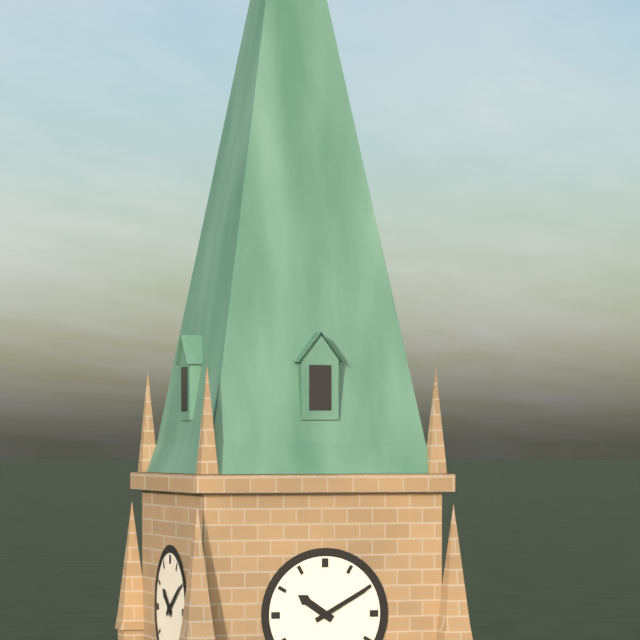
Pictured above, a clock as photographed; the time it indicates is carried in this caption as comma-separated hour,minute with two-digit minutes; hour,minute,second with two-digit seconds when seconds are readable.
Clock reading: 10,10
